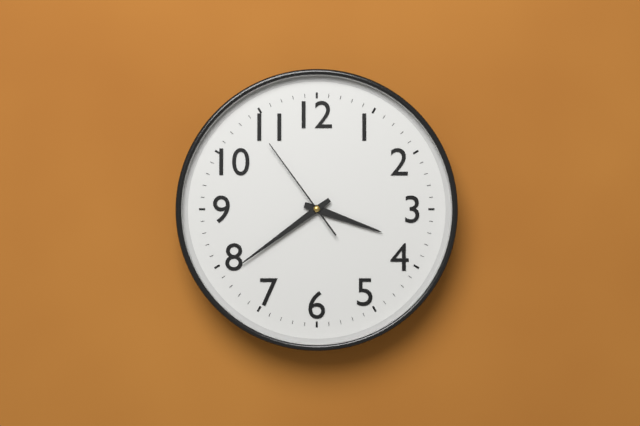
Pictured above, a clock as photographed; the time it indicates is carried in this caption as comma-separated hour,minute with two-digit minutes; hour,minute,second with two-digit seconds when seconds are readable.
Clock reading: 3,39,54
